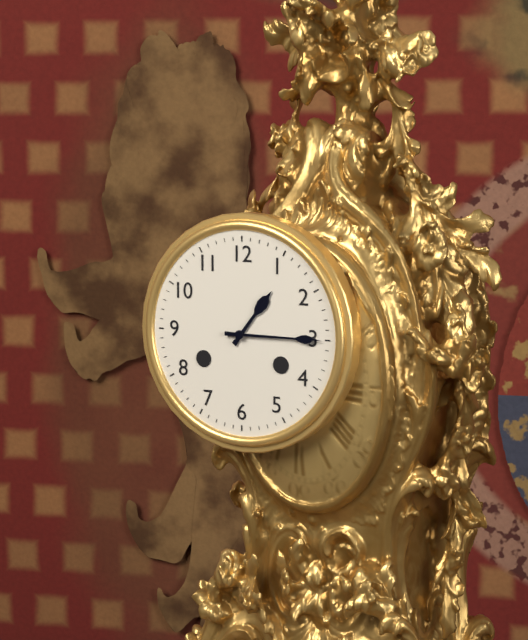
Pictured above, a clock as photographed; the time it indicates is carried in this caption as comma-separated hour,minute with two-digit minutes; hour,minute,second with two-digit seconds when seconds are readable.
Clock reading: 1,15
